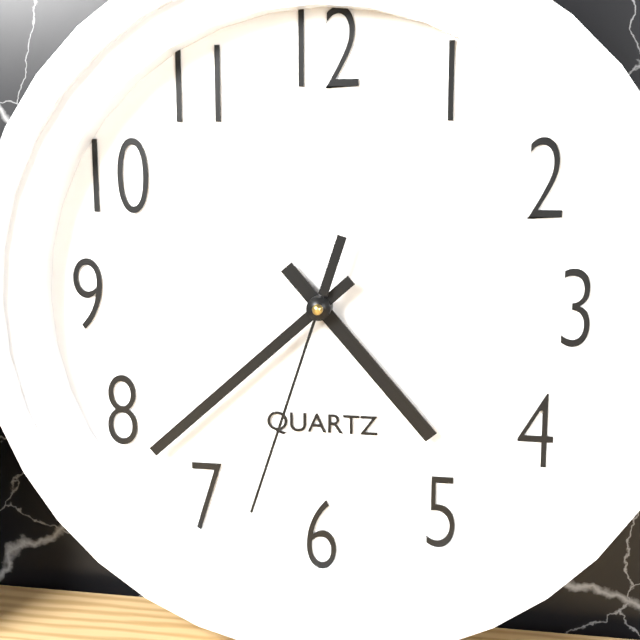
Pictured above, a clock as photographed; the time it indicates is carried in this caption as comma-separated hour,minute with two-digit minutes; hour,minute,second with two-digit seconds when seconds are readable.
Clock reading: 4,38,33
